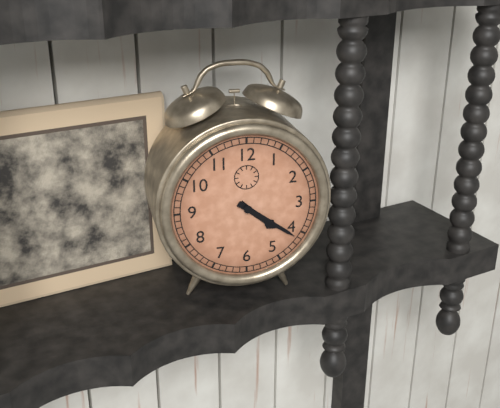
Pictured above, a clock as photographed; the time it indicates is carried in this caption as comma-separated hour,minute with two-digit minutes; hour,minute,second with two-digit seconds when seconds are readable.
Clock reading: 4,21
